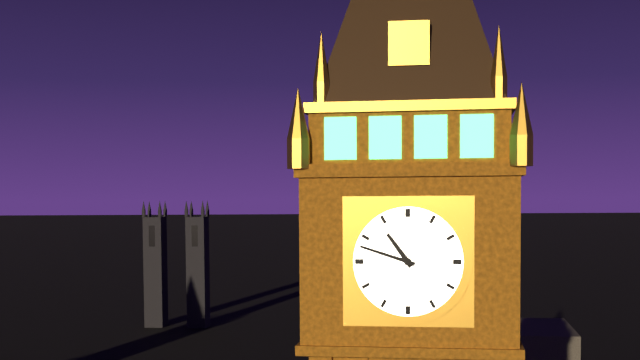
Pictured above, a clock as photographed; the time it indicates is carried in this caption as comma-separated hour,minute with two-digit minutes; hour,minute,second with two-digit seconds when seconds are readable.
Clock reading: 10,48
